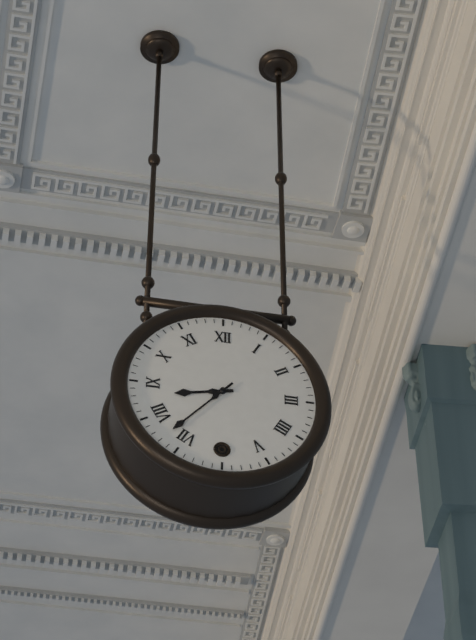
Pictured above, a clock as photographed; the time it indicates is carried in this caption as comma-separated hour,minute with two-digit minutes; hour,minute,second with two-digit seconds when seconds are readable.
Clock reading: 8,37
